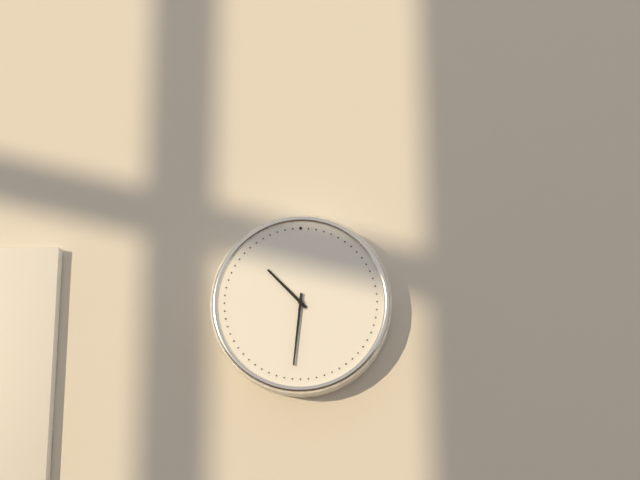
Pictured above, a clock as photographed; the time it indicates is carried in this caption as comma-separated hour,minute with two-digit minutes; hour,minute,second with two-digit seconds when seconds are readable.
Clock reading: 10,31
